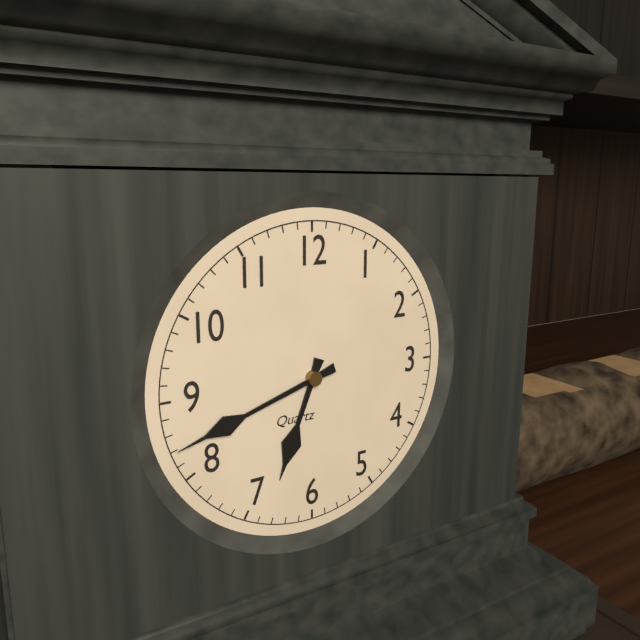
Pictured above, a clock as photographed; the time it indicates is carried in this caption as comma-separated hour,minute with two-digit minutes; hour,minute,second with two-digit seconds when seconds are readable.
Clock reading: 6,42
